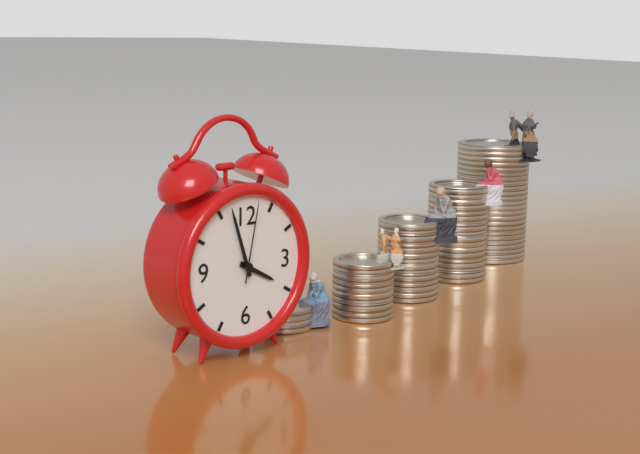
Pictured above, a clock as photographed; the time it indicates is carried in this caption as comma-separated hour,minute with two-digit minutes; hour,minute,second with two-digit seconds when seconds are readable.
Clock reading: 3,57,02
